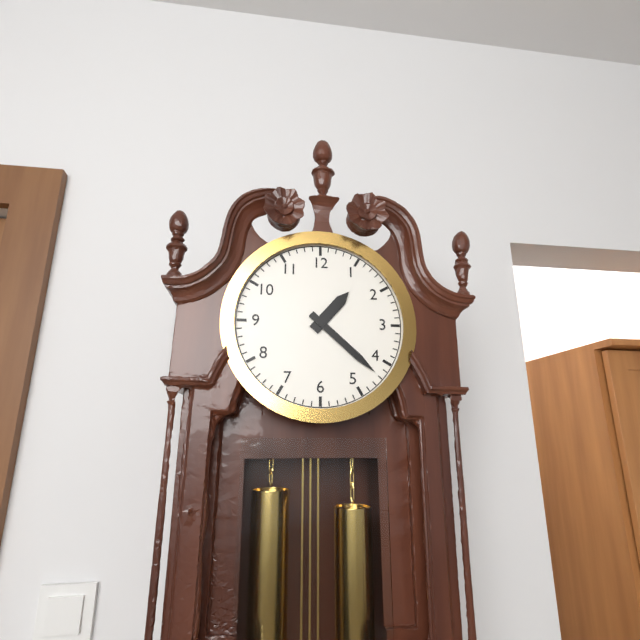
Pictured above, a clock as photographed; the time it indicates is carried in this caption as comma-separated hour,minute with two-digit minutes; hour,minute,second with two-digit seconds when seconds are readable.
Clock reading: 1,22
